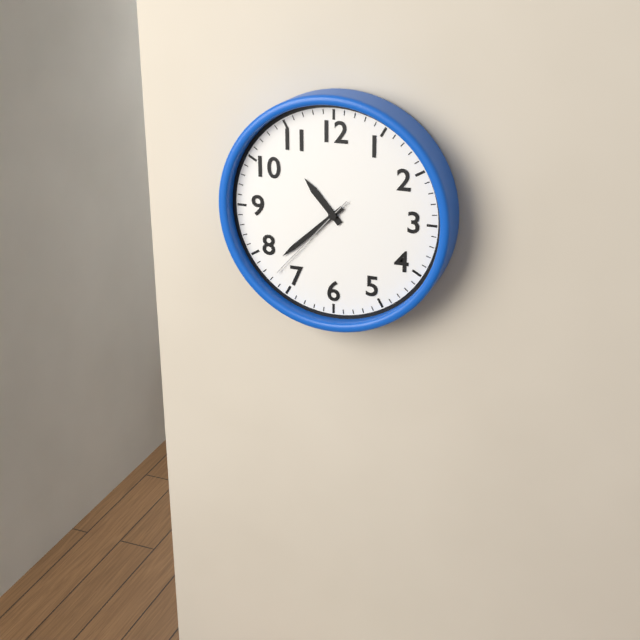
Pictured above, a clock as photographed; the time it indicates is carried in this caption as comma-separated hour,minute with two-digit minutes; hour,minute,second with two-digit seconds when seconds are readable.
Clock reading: 10,38,37
